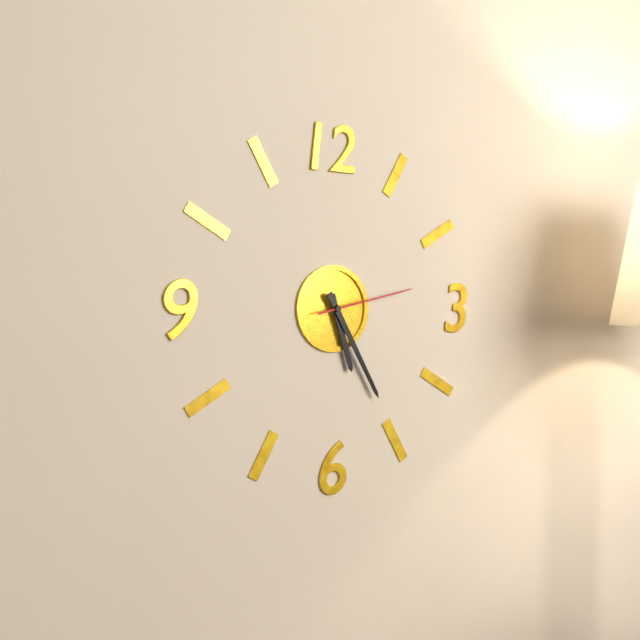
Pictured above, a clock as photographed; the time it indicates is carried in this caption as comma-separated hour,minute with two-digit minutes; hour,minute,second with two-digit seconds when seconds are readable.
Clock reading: 5,25,13
